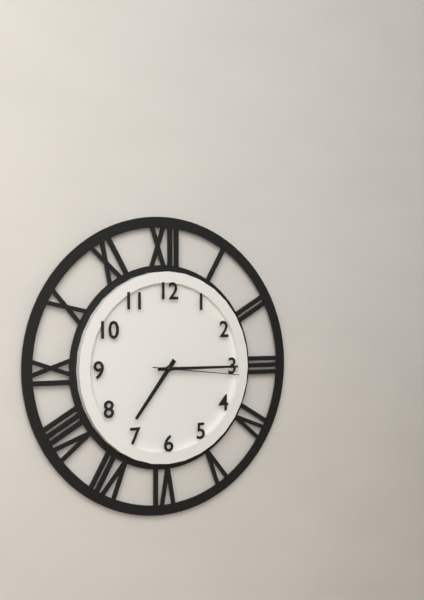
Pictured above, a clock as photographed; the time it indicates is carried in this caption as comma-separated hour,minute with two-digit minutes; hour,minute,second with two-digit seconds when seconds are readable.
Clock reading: 7,15,16
